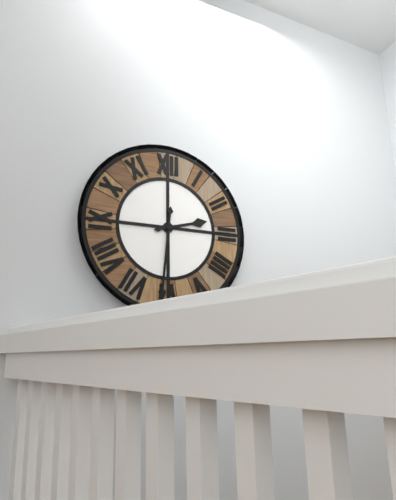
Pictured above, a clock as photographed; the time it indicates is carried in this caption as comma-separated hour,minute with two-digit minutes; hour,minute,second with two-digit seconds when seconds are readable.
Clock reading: 2,31
